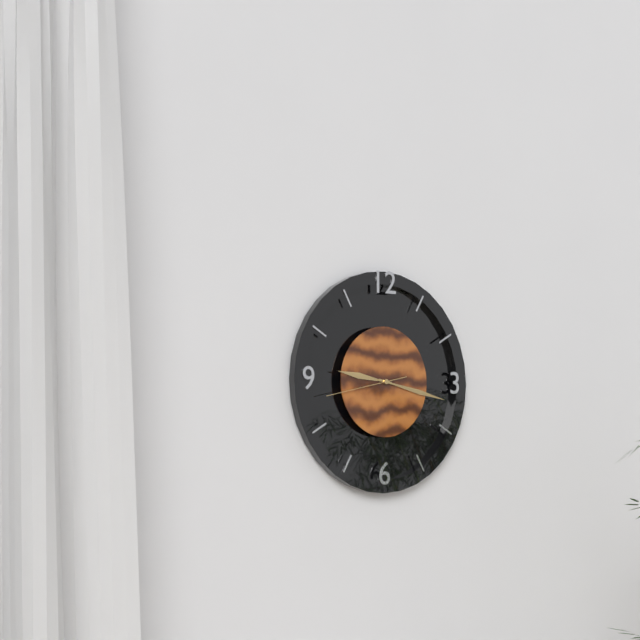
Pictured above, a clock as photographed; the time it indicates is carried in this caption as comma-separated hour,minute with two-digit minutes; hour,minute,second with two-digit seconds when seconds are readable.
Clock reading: 9,17,43
